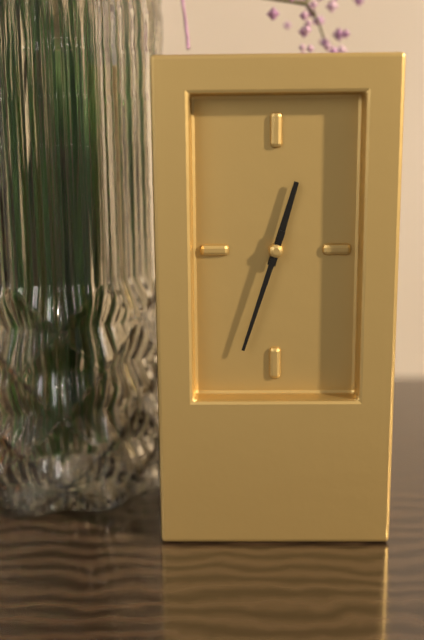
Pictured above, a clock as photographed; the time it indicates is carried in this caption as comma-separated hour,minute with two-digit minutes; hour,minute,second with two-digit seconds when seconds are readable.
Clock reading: 12,33
